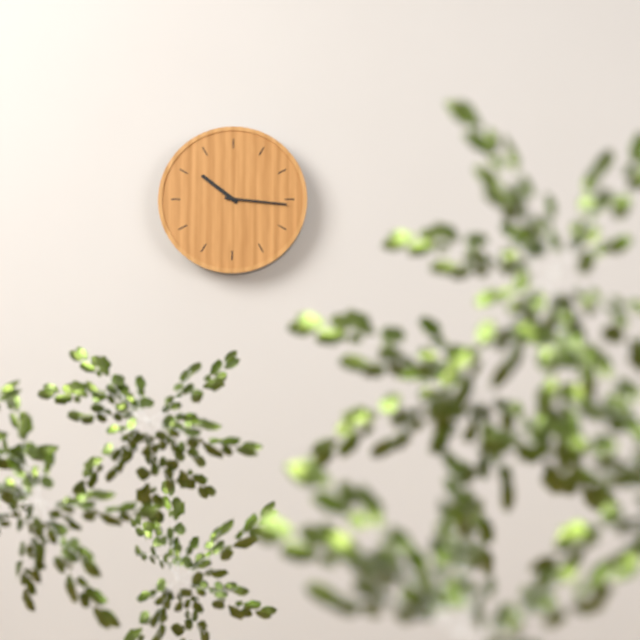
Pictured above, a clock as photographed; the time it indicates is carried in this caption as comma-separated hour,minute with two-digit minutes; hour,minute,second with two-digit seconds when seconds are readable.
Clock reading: 10,16
